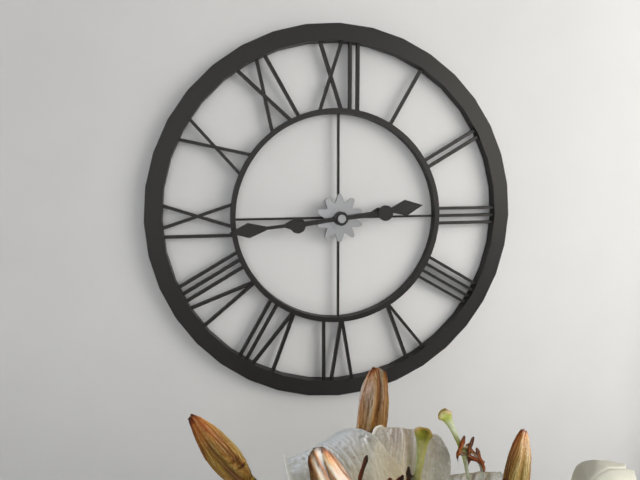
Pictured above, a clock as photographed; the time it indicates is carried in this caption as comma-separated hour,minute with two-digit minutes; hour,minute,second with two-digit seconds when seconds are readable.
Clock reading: 2,44
